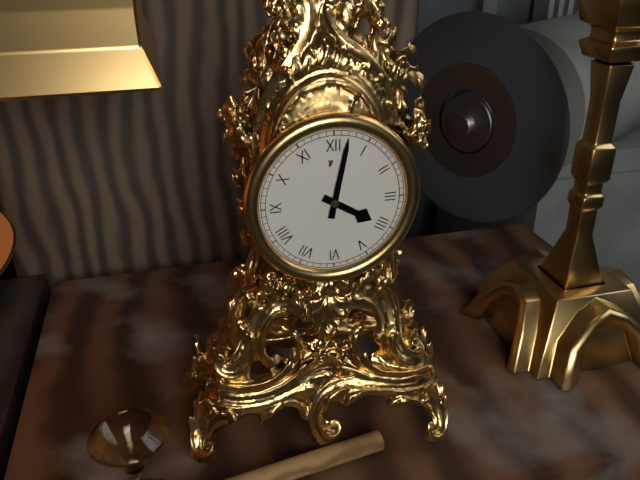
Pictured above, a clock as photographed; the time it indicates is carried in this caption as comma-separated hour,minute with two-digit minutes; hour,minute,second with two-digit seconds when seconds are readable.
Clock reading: 4,02
